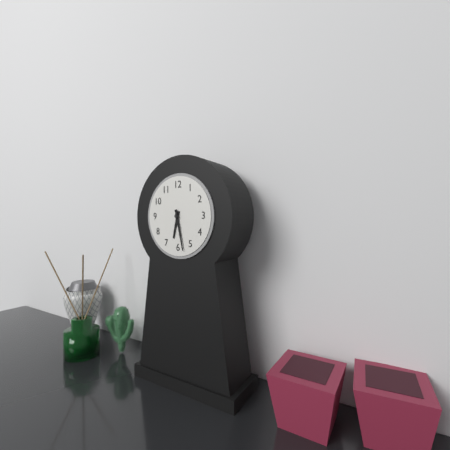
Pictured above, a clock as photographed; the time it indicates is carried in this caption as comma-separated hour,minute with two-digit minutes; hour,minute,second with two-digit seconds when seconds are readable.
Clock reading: 6,28
